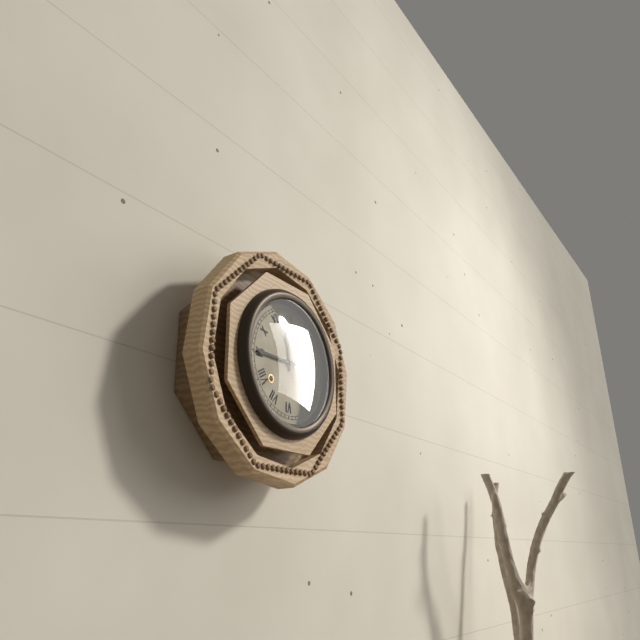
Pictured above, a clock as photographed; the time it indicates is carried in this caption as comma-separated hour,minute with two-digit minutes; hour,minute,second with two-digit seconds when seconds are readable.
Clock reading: 11,45
